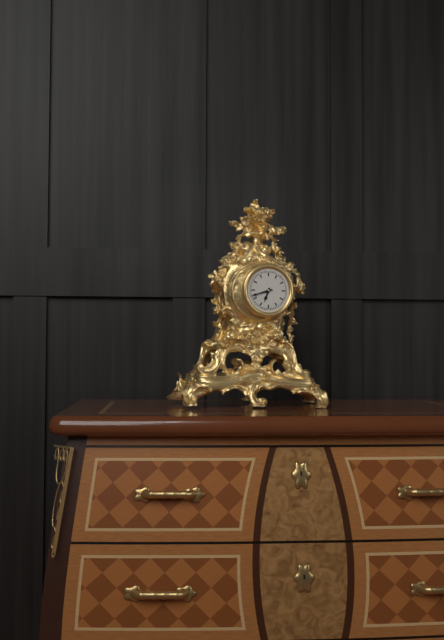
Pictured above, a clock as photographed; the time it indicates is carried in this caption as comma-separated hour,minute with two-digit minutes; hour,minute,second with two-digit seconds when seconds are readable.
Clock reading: 6,42
